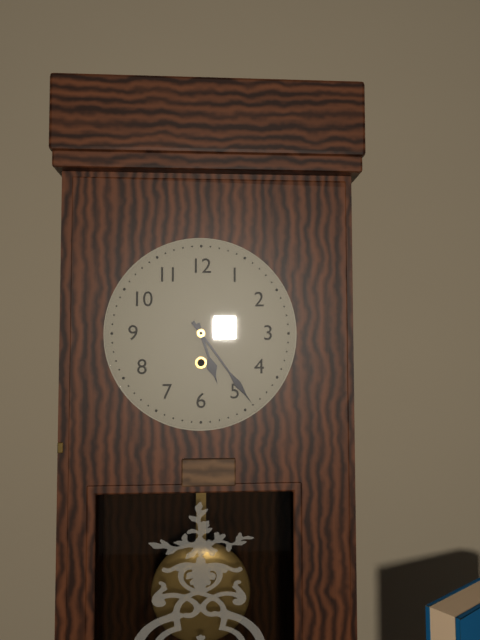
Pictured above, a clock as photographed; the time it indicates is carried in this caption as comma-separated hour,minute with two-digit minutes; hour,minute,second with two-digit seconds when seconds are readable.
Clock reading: 5,24
